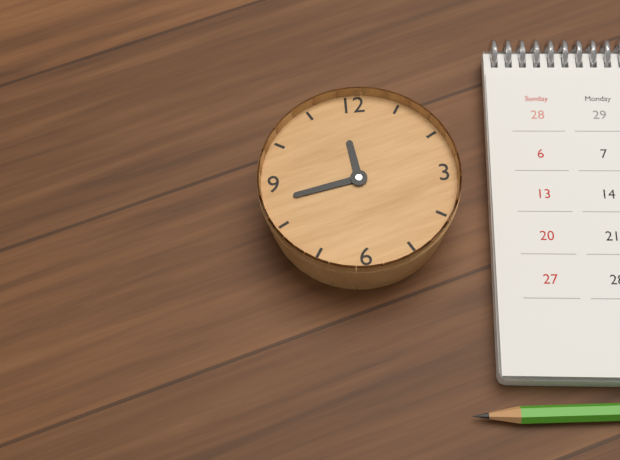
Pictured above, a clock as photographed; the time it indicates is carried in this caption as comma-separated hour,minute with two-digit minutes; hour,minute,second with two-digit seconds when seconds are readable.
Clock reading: 11,43
